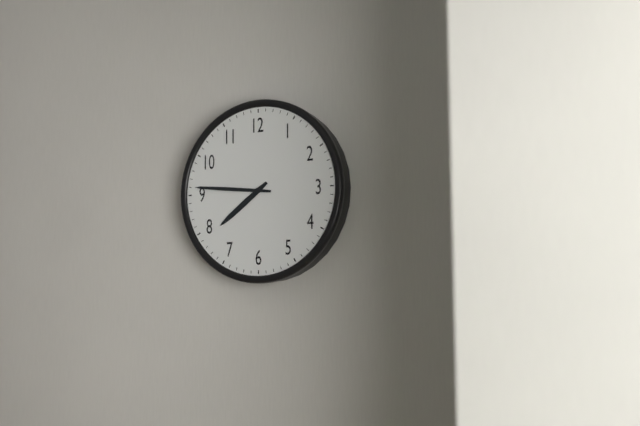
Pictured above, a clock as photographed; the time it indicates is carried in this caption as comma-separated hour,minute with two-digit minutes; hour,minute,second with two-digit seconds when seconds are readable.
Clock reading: 7,46
